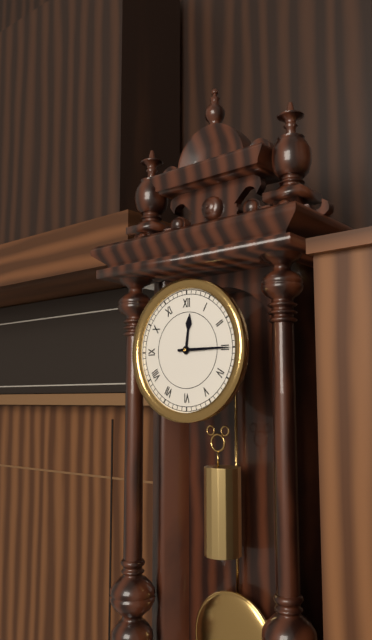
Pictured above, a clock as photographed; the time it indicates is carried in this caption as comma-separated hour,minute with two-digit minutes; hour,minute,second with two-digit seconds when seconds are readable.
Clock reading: 12,15
